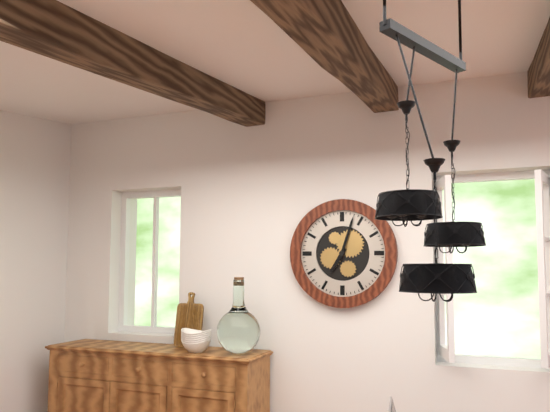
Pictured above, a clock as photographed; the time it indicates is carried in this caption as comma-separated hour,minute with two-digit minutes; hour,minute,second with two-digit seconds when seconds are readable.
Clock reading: 7,03
